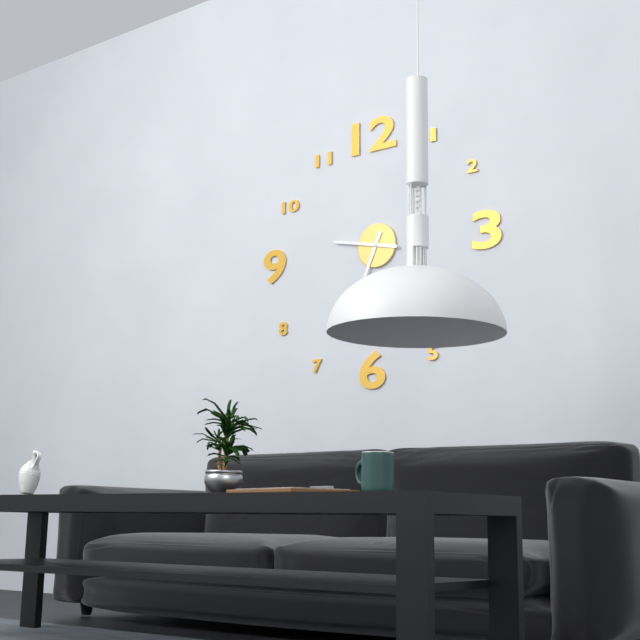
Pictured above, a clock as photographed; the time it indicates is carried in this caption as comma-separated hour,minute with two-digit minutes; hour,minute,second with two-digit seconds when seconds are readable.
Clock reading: 6,47
